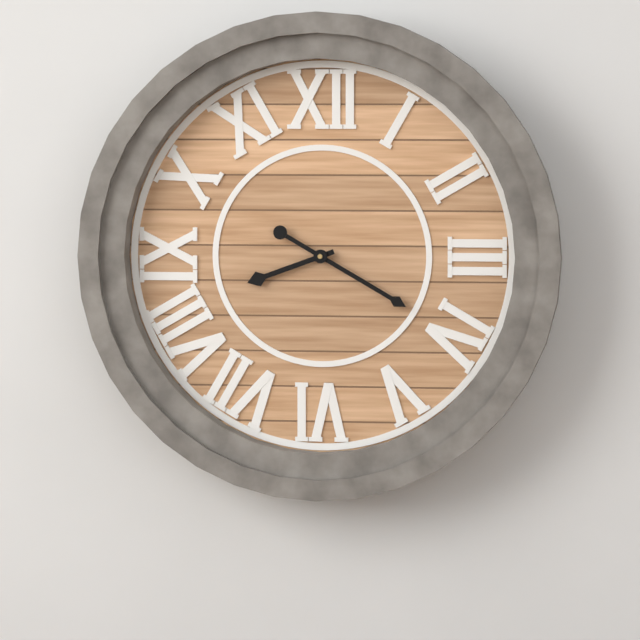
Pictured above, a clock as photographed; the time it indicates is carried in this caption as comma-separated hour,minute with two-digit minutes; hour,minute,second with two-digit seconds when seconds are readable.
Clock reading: 8,20
